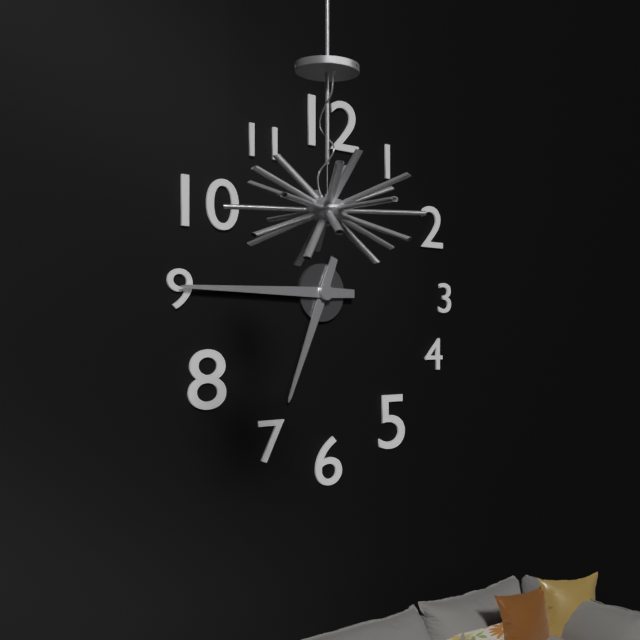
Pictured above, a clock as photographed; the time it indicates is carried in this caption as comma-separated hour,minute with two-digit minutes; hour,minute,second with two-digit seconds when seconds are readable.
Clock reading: 6,45
